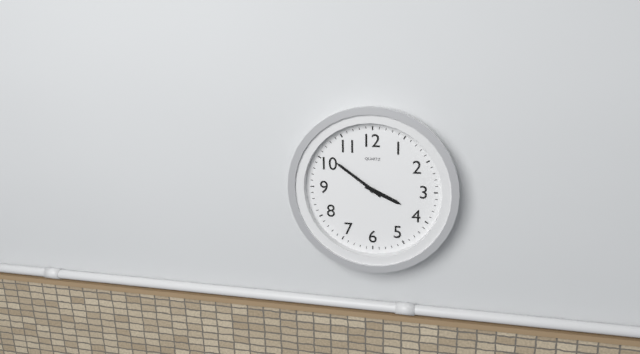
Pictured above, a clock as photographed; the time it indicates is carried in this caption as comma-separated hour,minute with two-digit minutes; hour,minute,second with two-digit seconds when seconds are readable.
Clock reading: 3,51
